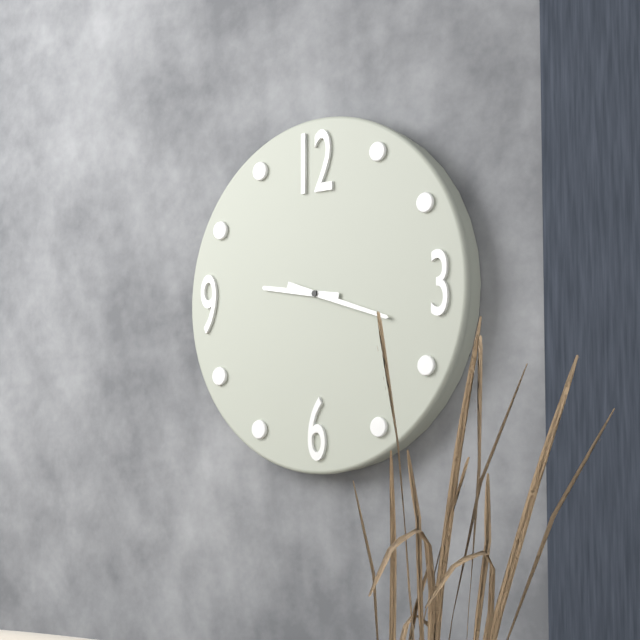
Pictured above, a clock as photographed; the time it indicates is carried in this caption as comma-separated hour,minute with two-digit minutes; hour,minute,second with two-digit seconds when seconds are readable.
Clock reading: 9,18
